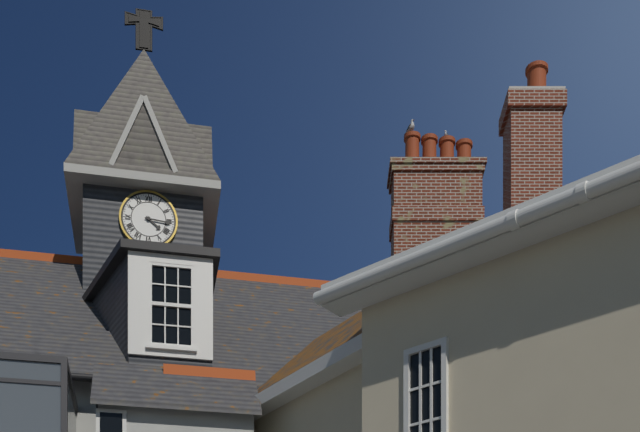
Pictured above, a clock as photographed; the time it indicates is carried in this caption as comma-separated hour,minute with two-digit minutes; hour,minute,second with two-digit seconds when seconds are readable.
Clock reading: 4,16
